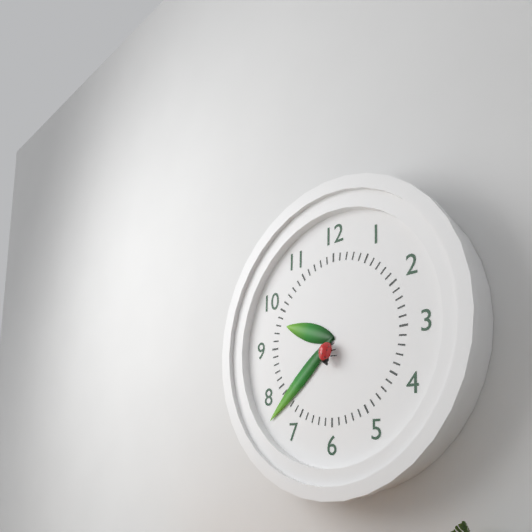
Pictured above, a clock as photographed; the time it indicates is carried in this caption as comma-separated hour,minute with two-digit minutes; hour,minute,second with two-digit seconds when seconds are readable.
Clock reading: 9,38
